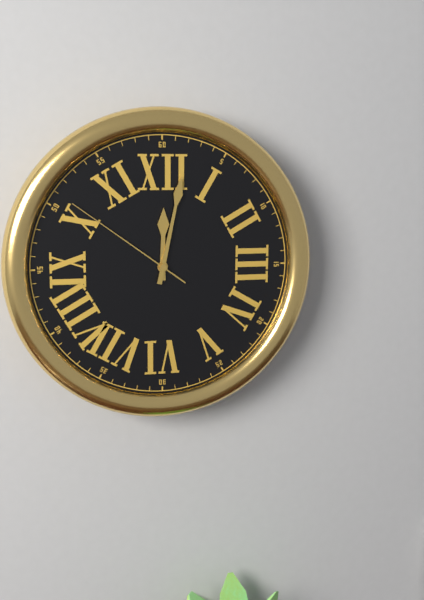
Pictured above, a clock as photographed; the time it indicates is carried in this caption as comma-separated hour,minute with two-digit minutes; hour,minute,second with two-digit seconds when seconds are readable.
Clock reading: 12,02,51
